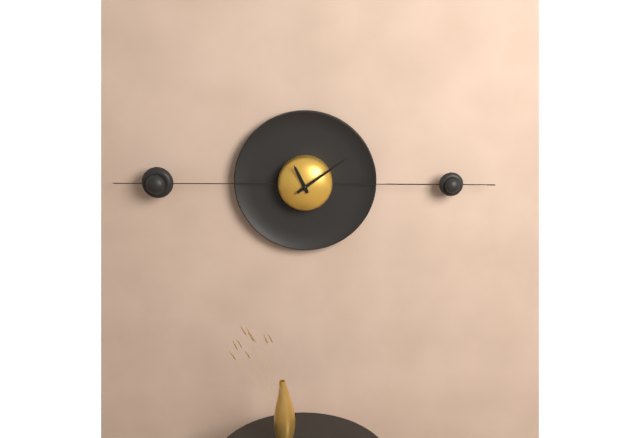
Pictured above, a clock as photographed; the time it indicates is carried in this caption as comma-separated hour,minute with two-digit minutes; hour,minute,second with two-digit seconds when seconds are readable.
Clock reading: 11,09
